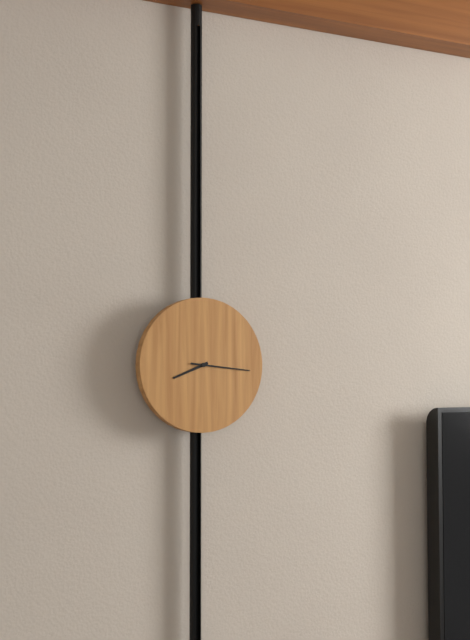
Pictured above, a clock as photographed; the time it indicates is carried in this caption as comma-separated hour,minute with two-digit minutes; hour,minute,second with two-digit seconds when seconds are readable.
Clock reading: 8,16
